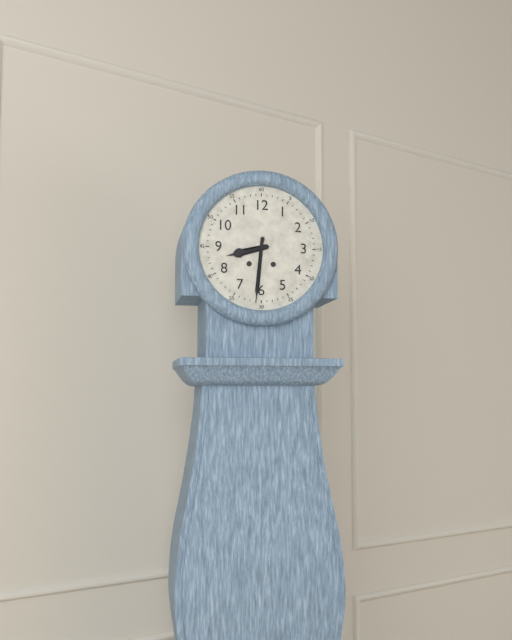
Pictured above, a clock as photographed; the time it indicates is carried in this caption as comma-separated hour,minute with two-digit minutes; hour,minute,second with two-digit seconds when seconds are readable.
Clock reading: 8,31
